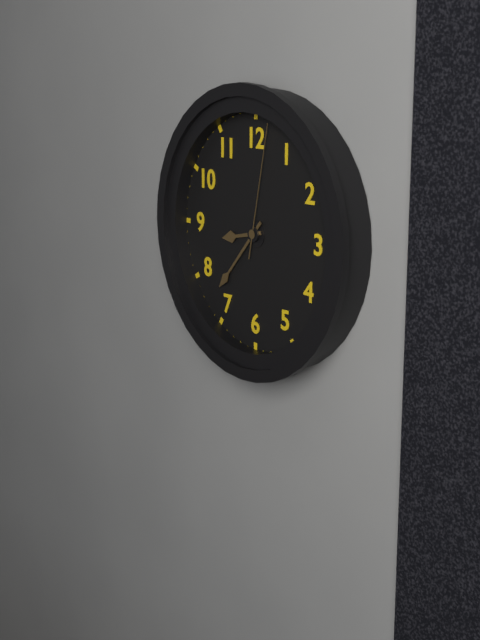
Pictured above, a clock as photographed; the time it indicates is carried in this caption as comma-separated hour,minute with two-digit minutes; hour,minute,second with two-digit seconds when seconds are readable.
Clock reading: 8,37,02
